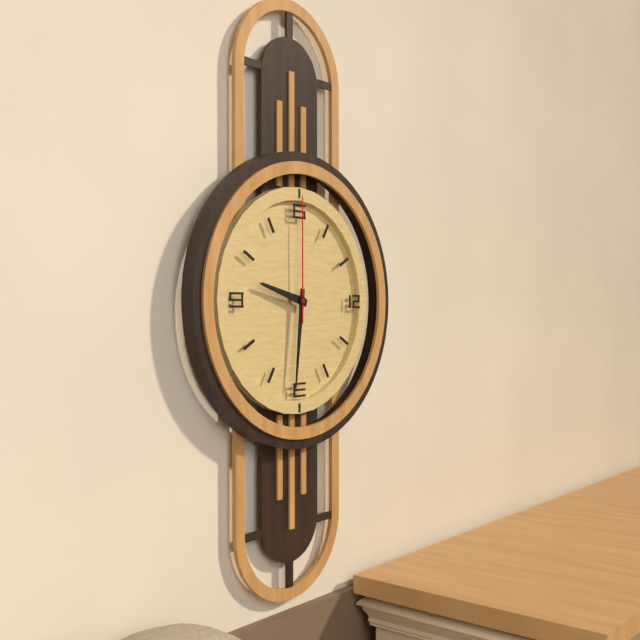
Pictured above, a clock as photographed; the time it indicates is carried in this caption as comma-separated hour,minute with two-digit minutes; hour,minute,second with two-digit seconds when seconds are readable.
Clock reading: 9,31,00
